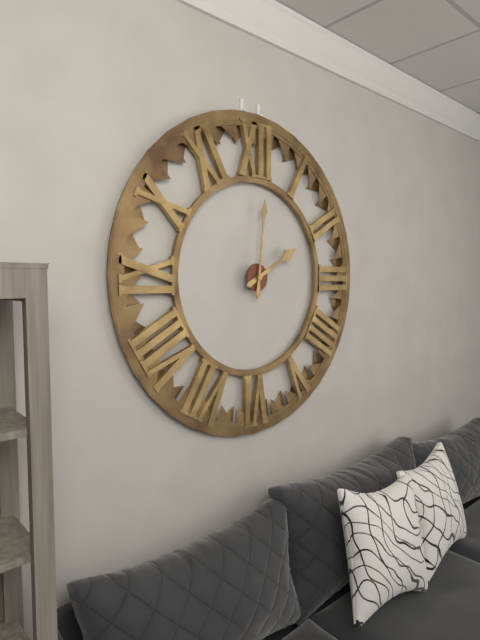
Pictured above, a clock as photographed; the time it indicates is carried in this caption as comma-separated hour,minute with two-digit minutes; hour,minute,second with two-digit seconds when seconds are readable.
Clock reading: 2,01
